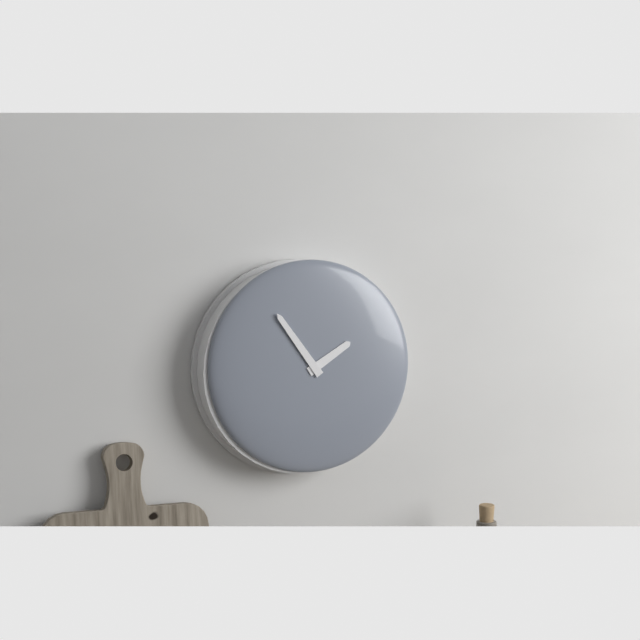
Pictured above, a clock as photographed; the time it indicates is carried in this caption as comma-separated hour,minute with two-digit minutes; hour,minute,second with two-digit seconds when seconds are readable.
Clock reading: 1,54
